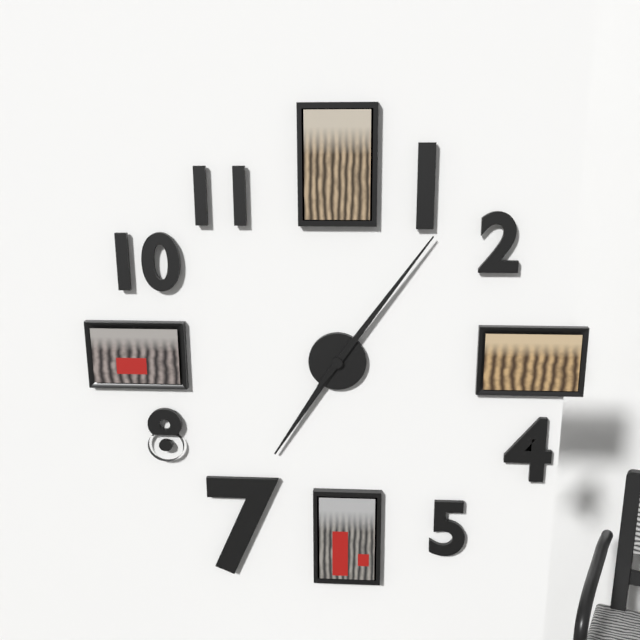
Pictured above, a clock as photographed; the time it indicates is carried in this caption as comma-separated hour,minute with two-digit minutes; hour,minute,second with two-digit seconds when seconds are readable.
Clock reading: 7,06
